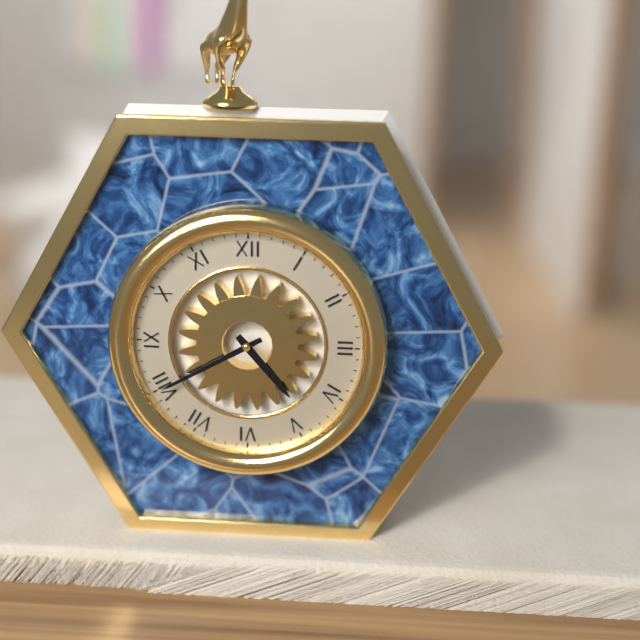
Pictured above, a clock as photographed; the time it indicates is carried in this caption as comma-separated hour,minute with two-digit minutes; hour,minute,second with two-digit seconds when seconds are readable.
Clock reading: 4,40
